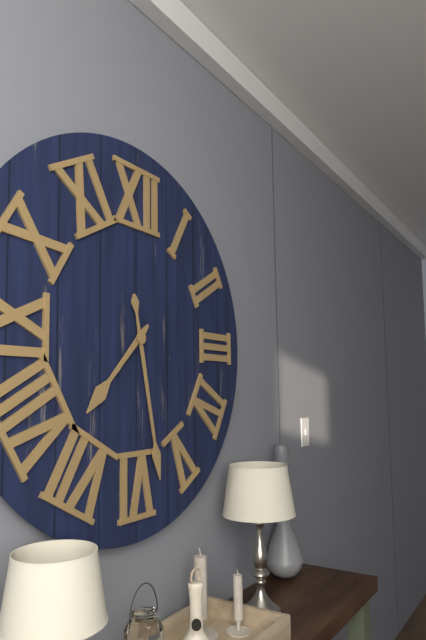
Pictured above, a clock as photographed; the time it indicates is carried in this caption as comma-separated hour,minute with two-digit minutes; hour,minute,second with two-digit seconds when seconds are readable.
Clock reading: 7,28
